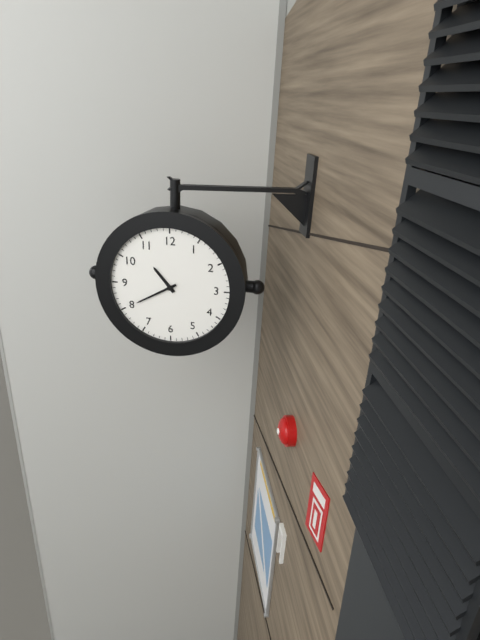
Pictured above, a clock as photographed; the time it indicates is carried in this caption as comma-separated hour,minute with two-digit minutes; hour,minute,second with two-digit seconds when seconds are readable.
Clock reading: 10,40
